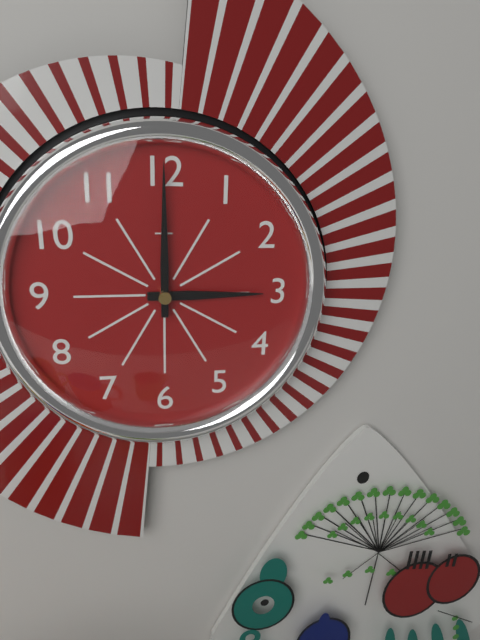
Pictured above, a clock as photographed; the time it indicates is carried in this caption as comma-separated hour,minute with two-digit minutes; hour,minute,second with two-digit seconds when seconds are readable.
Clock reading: 3,00
